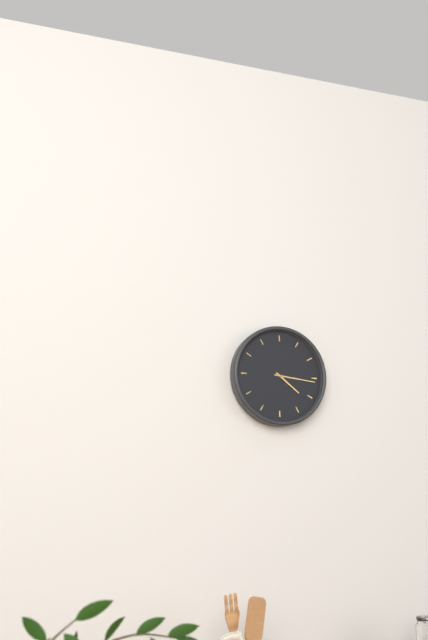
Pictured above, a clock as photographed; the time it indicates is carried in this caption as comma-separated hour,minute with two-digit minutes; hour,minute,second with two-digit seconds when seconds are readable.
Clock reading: 4,16
